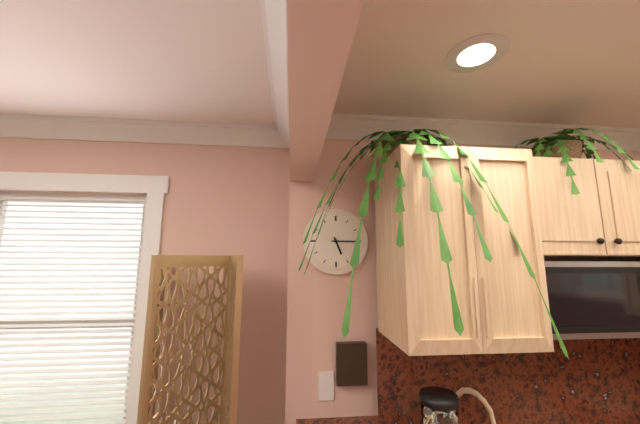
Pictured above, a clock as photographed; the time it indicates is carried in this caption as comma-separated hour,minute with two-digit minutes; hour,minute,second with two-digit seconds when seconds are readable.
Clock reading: 5,15
